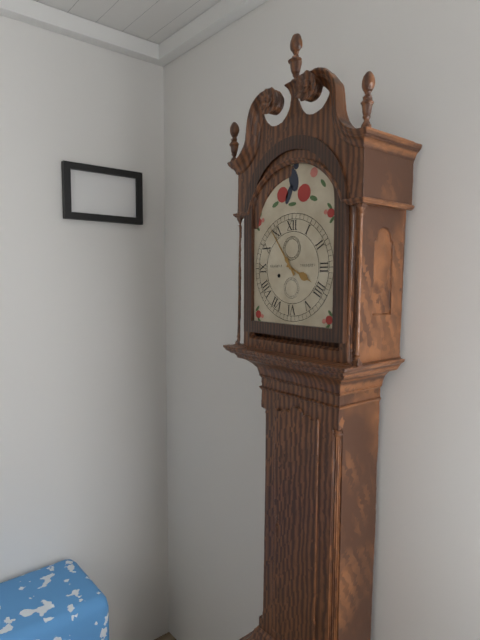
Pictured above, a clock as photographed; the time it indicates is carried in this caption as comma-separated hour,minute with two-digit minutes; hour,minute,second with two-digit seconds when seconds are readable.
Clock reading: 3,54
